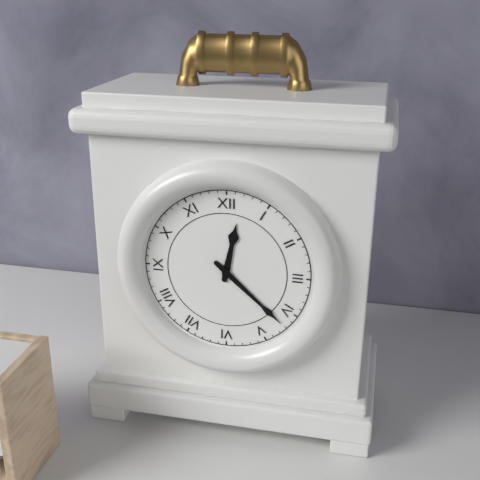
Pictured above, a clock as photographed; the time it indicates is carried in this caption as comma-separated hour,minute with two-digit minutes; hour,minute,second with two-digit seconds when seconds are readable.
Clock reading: 12,22
